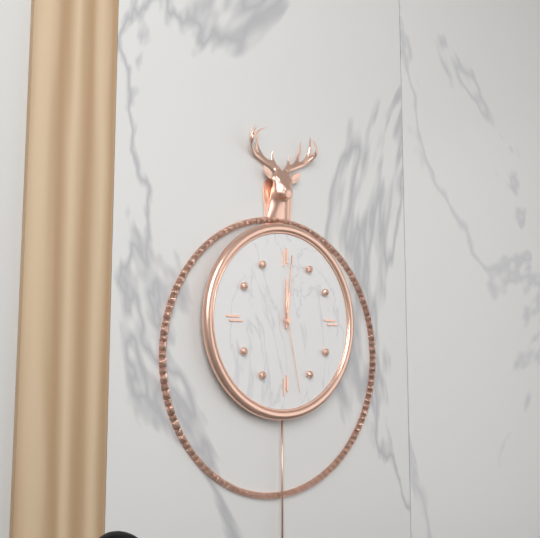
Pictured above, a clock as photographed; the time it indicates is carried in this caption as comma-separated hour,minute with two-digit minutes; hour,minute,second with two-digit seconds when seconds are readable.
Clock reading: 12,01,28
